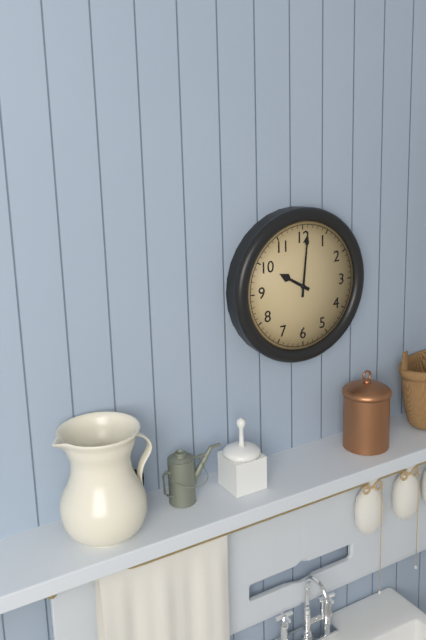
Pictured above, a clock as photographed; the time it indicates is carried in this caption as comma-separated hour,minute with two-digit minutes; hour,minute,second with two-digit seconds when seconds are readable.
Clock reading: 10,01
